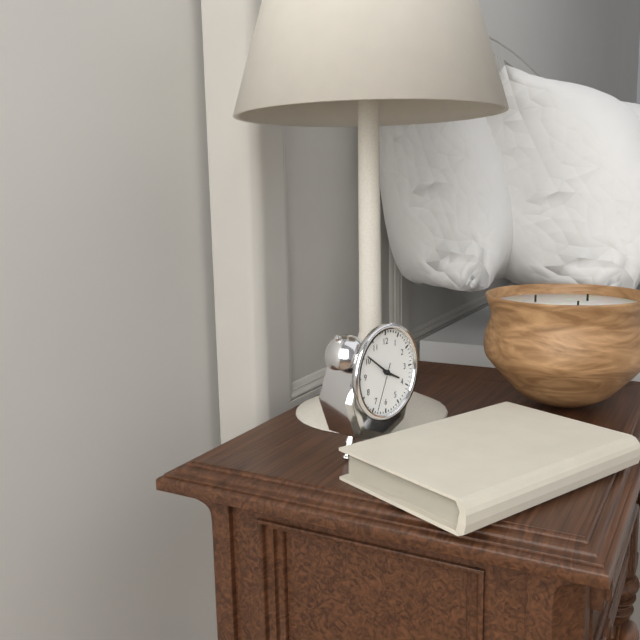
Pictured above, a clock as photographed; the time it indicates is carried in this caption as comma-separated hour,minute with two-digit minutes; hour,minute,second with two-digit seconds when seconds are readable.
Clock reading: 3,51
